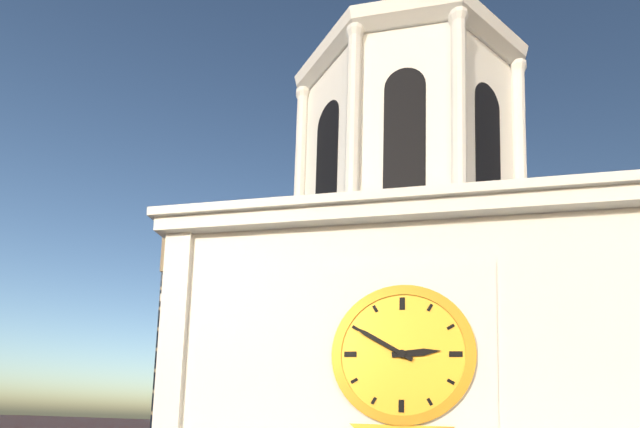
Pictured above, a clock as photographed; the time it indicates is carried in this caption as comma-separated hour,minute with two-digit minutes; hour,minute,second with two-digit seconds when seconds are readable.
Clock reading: 2,50
